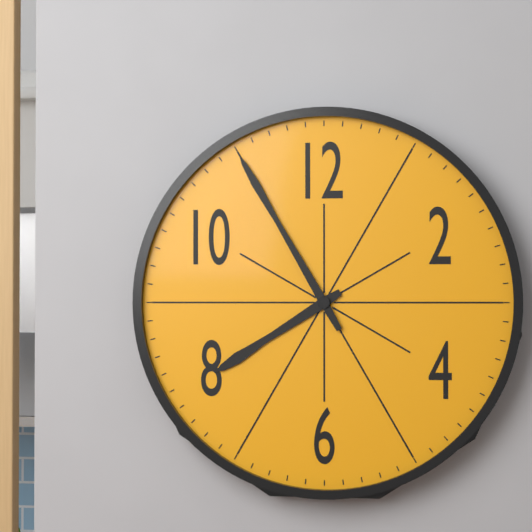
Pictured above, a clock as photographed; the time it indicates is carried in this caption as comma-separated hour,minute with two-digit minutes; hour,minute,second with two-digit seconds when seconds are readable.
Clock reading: 7,55
